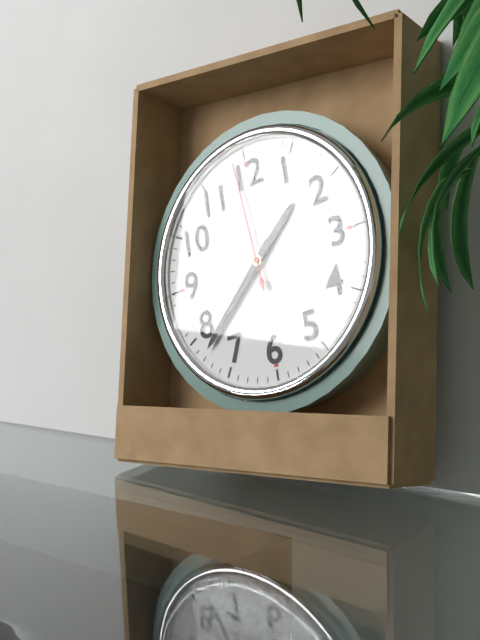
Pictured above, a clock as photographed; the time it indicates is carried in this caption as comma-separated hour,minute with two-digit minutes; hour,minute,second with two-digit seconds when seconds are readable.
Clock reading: 1,38,59
